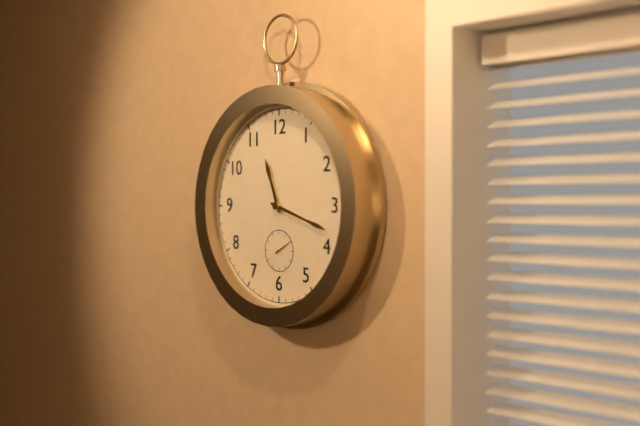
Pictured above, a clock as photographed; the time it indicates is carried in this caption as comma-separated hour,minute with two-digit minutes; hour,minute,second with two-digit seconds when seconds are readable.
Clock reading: 11,18
